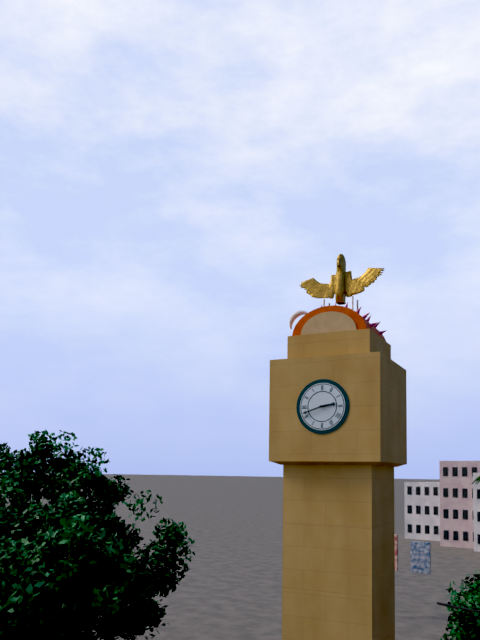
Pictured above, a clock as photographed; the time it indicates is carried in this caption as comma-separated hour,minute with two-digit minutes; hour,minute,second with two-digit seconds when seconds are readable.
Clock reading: 2,42
